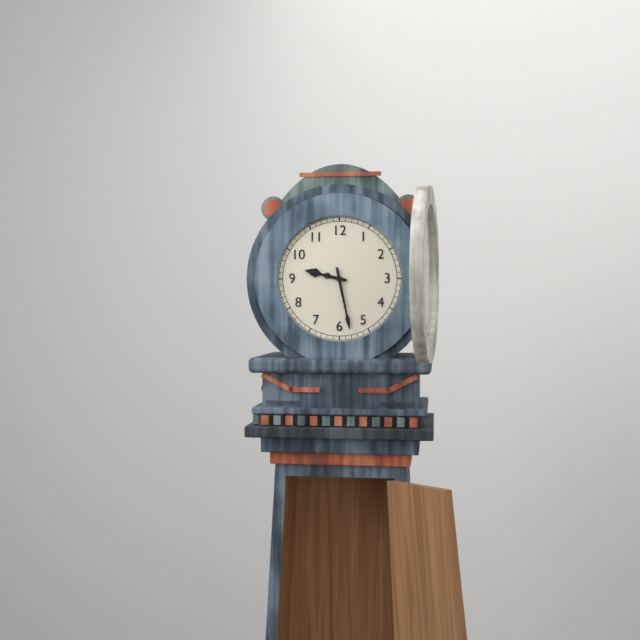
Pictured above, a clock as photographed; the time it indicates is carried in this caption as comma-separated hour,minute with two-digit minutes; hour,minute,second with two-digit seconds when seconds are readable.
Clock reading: 9,28
